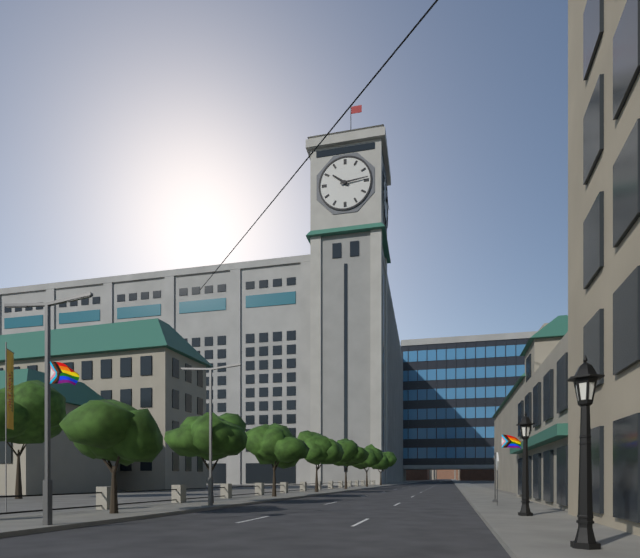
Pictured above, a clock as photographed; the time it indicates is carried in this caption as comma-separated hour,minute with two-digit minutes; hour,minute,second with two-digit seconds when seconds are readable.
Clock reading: 10,14
